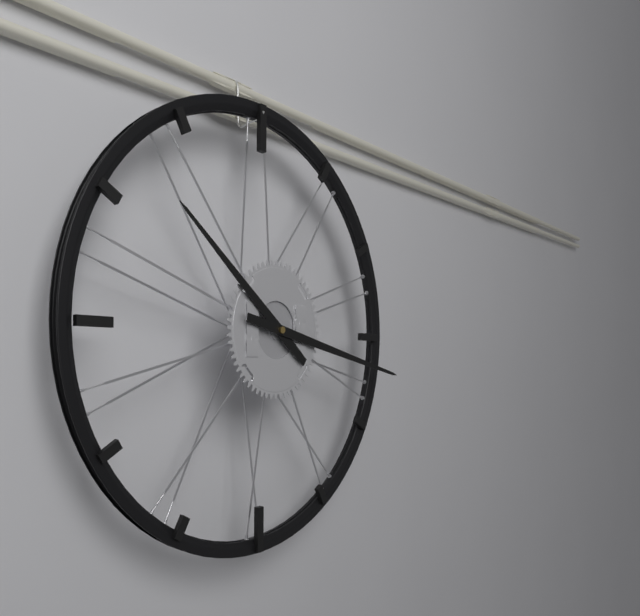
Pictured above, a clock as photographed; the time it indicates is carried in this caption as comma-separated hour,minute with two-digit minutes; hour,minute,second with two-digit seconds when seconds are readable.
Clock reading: 10,17
